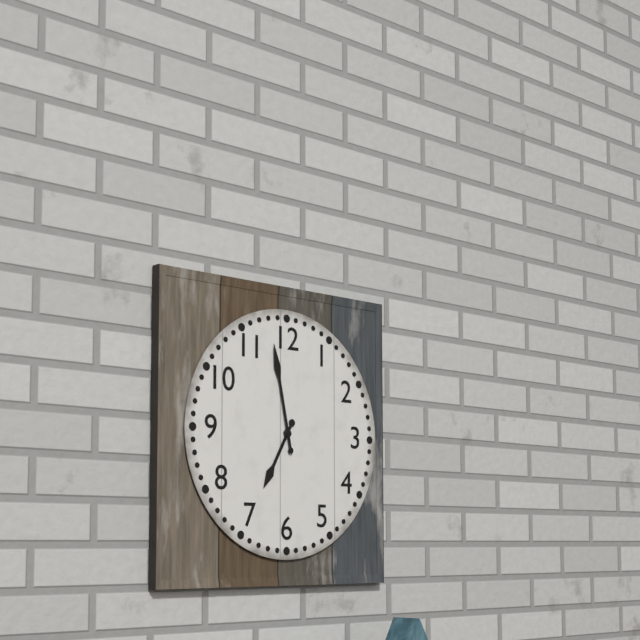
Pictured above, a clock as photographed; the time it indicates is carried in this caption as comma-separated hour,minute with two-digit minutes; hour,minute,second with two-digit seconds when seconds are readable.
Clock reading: 6,58
